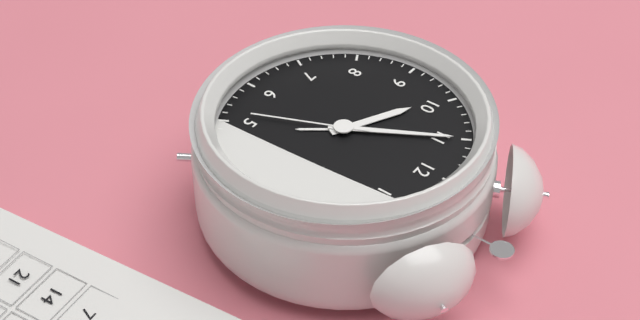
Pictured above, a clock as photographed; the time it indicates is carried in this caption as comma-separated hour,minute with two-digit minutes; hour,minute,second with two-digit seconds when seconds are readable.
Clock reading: 9,55,26
